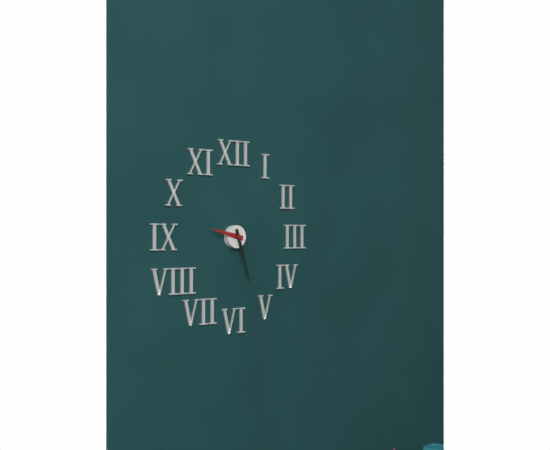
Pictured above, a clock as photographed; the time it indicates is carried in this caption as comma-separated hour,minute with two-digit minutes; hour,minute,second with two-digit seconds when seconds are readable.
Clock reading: 9,27
